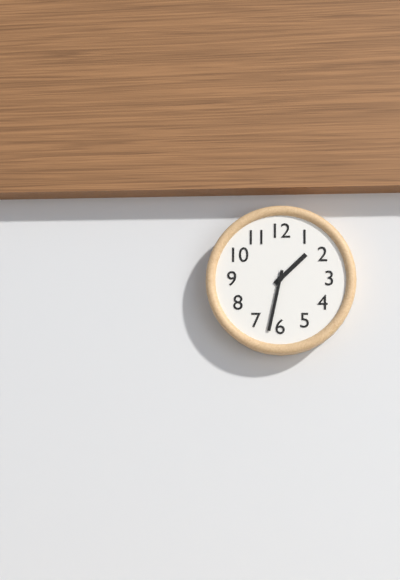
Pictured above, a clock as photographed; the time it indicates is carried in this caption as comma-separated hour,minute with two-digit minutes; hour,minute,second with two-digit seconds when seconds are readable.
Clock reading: 1,32
